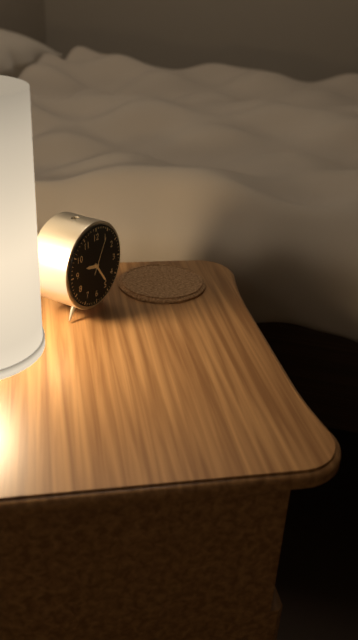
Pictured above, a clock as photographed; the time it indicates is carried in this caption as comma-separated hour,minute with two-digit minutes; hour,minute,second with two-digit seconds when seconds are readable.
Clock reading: 9,24
